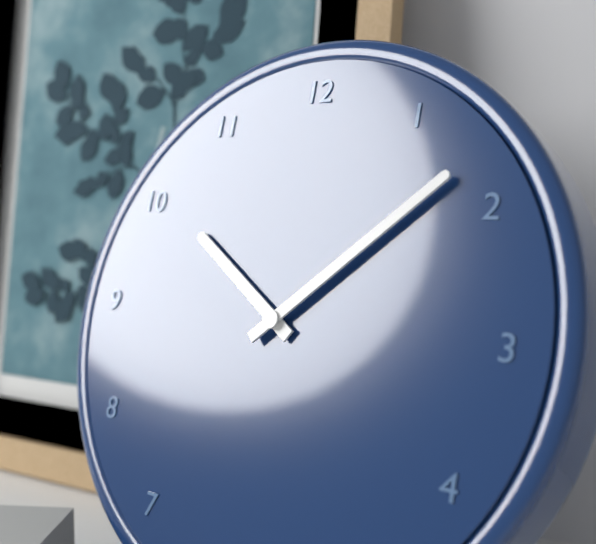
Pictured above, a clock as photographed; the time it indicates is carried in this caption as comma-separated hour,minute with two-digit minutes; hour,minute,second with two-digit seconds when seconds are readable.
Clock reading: 10,08
